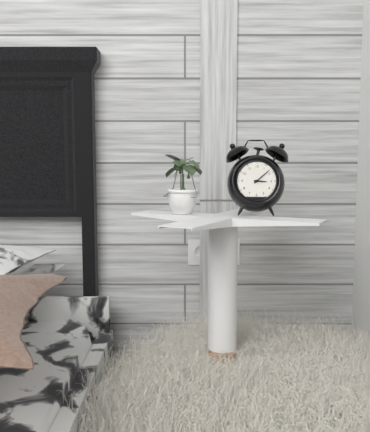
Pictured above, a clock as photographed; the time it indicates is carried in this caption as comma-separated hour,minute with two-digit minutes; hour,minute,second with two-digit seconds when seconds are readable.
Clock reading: 3,08
